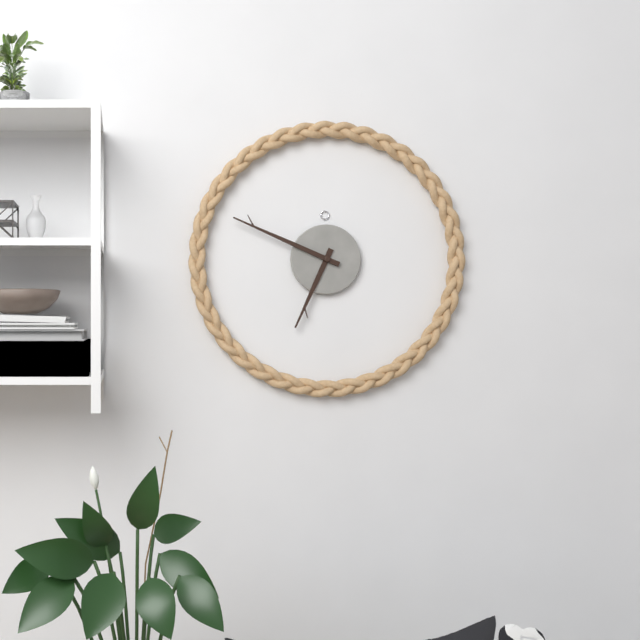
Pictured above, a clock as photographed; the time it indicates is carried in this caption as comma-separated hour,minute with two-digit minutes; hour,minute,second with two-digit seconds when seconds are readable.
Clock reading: 6,49
